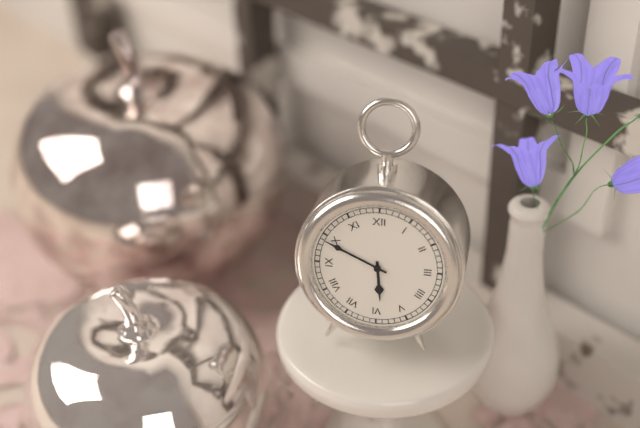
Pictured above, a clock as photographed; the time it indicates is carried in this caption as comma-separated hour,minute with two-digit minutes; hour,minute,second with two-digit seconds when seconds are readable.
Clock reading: 5,49
